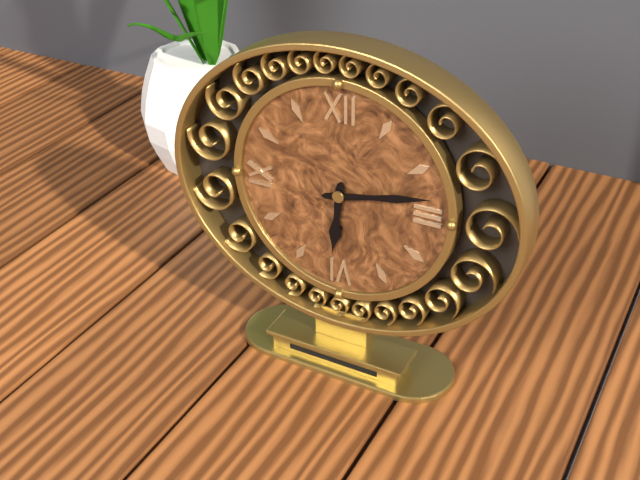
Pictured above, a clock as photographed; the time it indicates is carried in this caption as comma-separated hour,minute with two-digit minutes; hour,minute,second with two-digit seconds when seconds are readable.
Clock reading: 6,13
